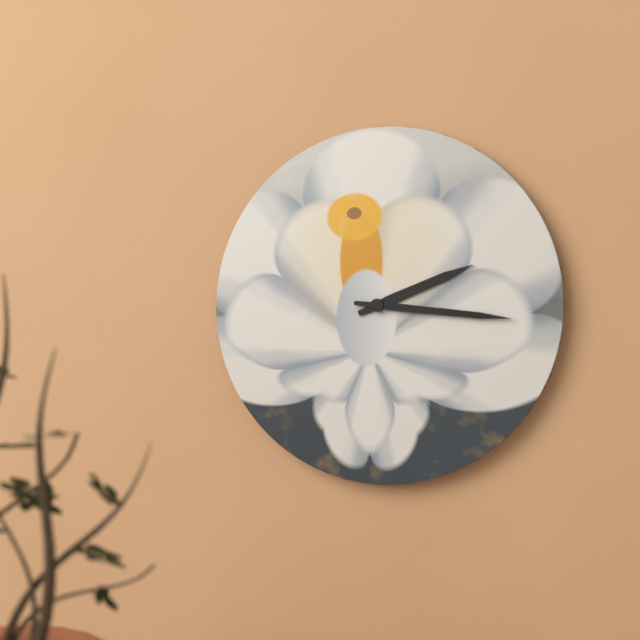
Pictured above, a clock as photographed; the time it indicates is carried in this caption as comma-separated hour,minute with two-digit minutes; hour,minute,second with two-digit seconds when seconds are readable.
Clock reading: 2,16
